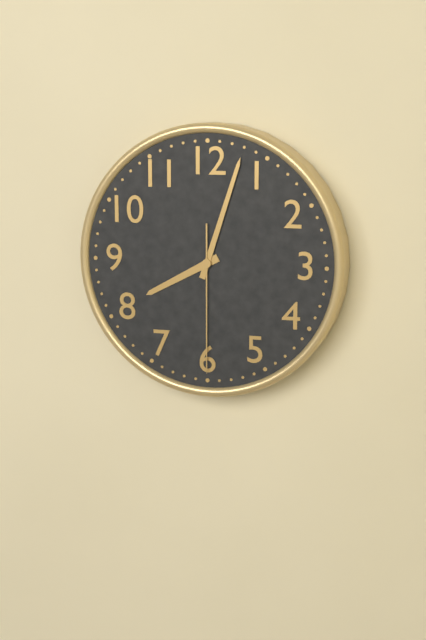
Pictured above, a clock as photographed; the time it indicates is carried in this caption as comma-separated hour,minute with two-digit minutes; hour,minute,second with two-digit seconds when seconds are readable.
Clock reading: 8,03,30
